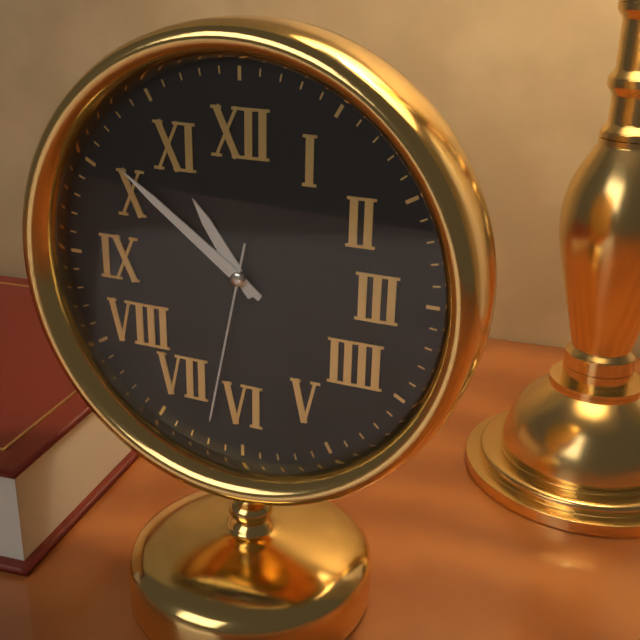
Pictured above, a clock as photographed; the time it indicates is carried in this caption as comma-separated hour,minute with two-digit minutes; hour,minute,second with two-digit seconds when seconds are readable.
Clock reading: 10,51,32
